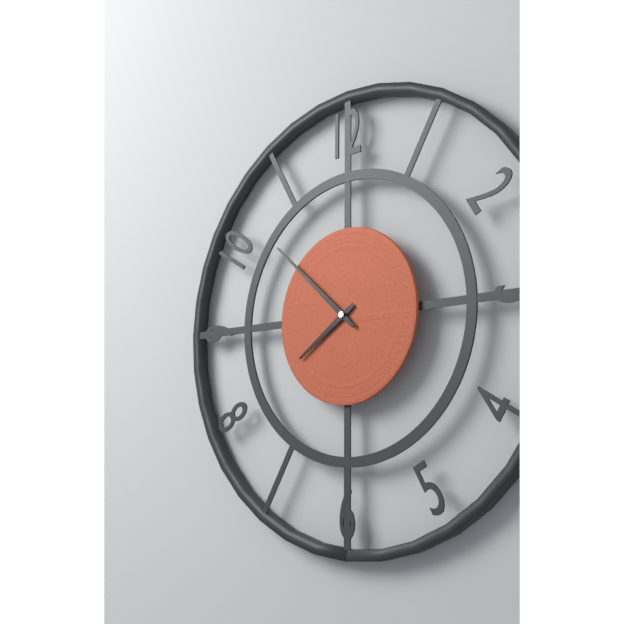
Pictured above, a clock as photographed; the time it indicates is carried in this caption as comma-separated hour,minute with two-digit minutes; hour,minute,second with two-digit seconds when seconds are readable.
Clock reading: 7,52
